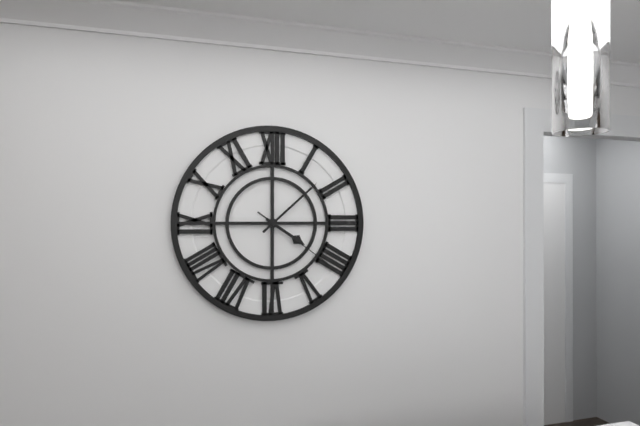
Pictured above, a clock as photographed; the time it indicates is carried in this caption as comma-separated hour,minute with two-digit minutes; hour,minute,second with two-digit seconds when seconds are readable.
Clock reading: 4,08,21
